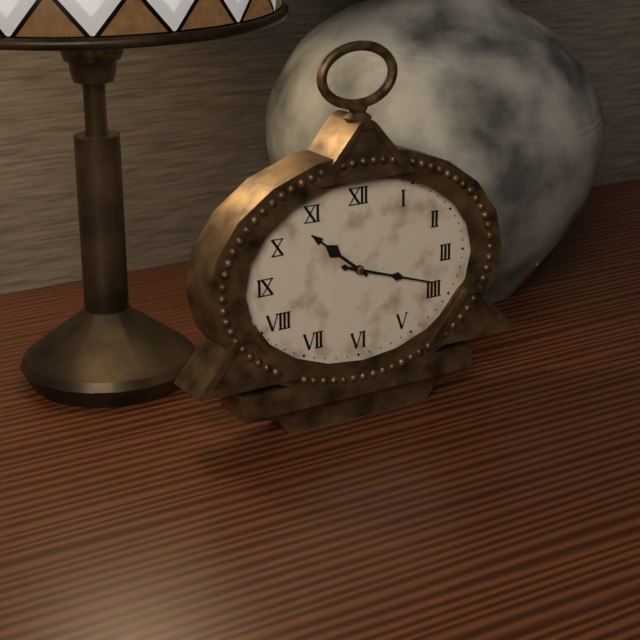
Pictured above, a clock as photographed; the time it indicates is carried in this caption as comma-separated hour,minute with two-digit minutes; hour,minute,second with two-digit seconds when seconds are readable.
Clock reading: 10,18
